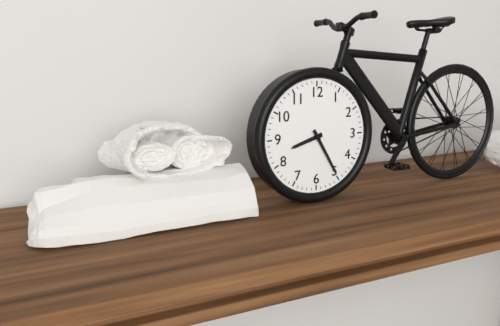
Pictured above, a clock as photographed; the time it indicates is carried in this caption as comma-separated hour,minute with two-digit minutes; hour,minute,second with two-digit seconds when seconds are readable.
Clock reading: 8,25
